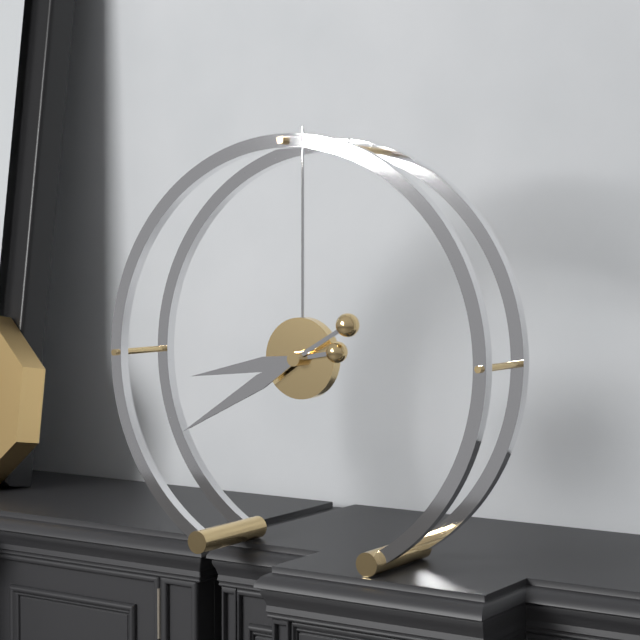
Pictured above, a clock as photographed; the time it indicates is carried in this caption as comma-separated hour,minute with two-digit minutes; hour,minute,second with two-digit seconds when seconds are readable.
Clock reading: 8,40
